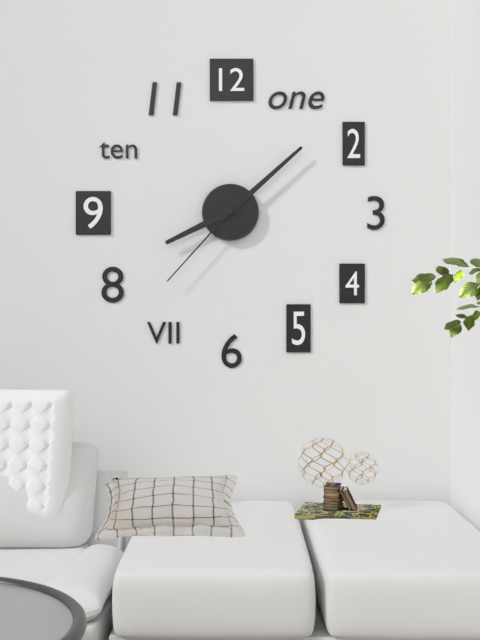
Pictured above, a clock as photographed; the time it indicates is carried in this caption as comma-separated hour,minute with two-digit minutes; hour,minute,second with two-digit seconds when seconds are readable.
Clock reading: 8,08,37
